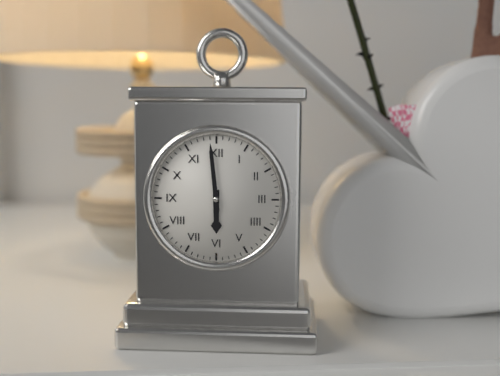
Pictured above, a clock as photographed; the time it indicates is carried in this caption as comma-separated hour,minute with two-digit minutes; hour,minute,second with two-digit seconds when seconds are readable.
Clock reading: 5,59
